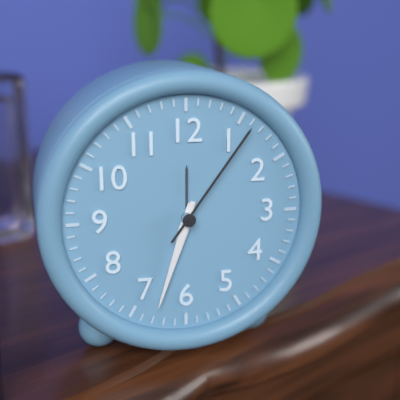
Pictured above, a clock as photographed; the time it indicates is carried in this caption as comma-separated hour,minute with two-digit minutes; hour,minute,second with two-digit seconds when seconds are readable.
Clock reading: 6,33,06
